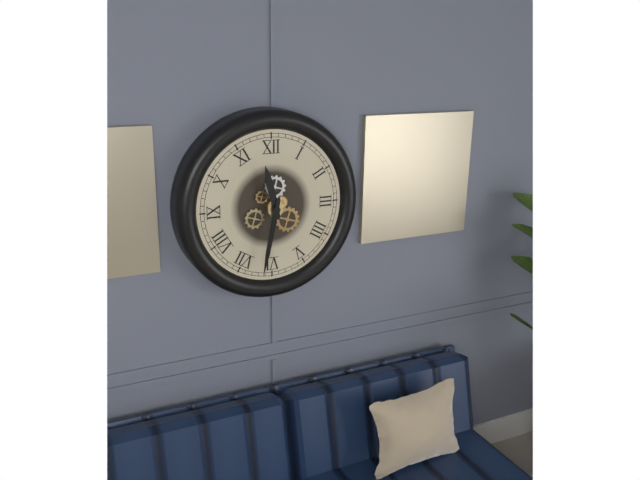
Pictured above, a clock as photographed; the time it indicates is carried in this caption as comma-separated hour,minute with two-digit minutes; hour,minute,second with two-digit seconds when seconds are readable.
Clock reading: 11,32
